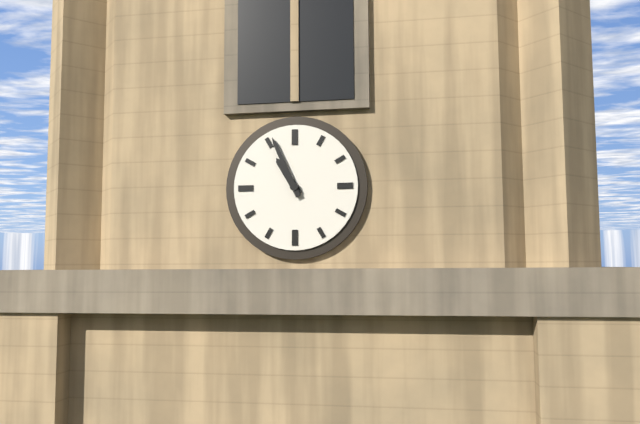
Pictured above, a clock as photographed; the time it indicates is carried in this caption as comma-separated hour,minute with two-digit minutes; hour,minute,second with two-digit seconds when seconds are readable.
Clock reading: 10,56
